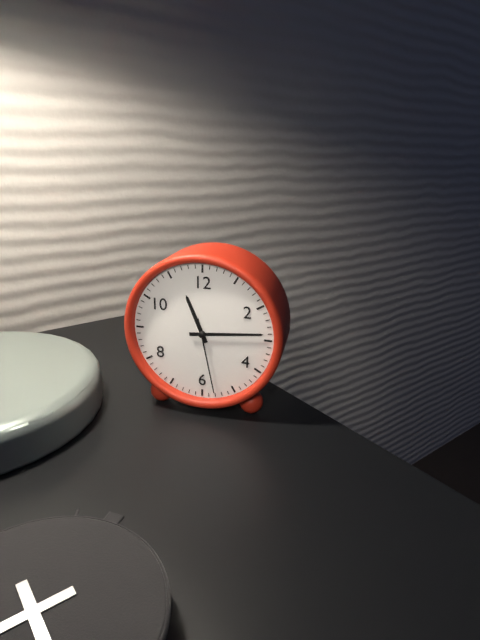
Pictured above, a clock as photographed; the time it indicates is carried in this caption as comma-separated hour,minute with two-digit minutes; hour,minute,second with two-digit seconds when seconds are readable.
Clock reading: 11,14,28
